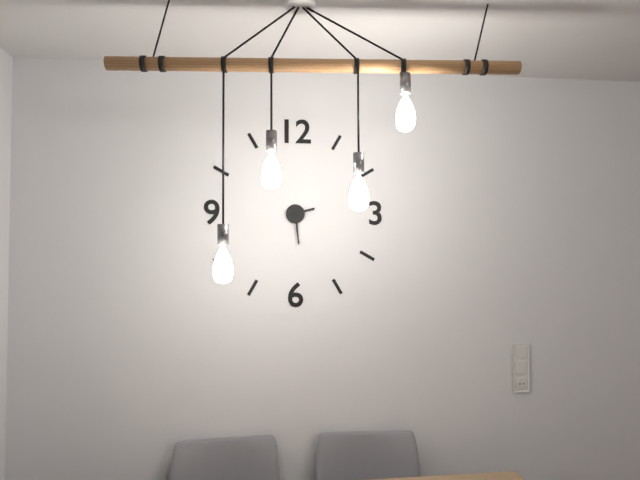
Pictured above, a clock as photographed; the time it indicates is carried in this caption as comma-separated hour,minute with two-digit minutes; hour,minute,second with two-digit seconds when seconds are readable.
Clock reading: 2,29
